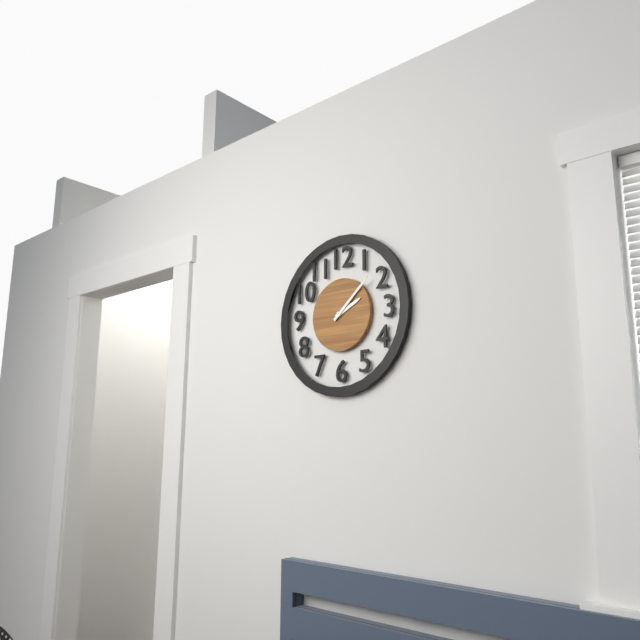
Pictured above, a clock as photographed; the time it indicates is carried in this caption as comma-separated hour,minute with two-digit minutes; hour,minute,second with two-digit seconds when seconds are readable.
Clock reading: 2,08
